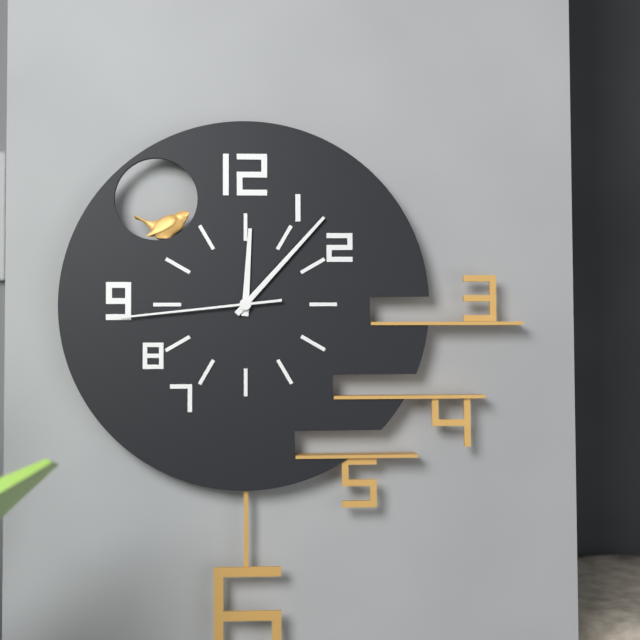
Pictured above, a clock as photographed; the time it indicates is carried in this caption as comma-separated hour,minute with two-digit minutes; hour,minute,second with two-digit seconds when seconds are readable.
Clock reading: 12,07,44
